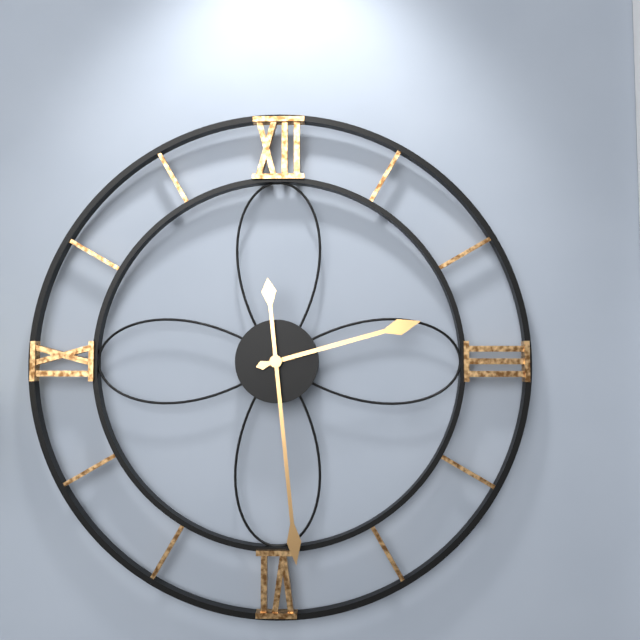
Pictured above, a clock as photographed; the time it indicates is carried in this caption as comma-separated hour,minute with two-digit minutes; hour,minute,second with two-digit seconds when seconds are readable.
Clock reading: 2,29
